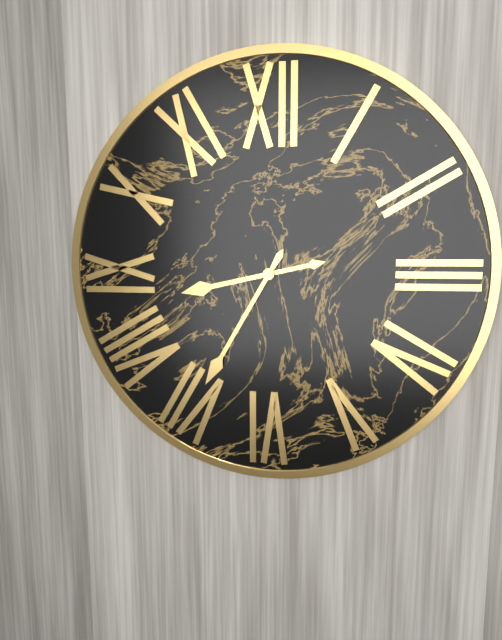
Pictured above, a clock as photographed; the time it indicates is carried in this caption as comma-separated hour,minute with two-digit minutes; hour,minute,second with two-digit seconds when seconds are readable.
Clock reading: 8,35
